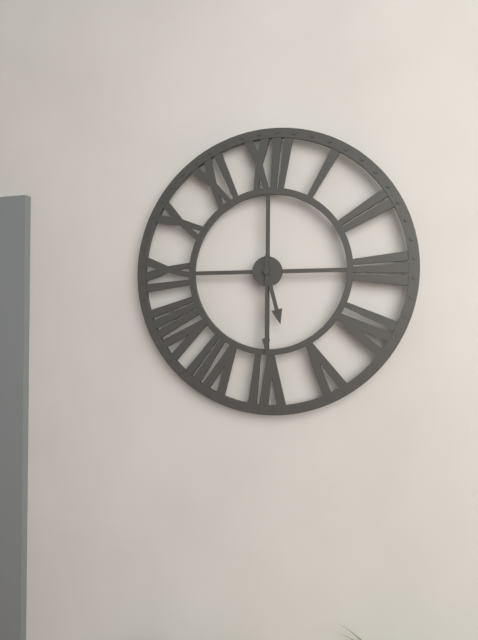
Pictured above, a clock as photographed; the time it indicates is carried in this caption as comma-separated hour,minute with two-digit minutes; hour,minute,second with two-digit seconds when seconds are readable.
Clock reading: 5,30
